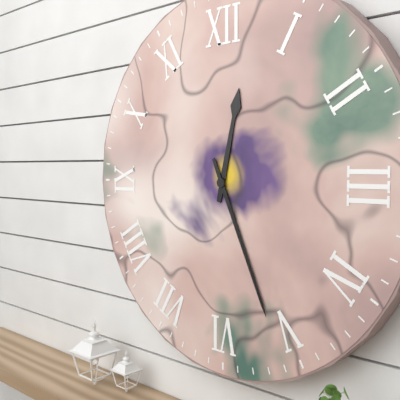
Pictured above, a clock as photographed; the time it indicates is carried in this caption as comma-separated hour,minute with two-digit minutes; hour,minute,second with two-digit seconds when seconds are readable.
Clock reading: 12,26
